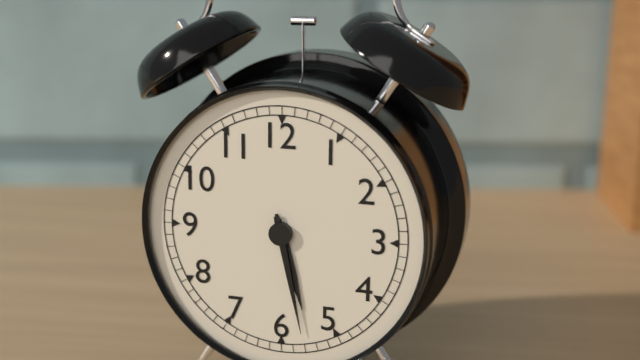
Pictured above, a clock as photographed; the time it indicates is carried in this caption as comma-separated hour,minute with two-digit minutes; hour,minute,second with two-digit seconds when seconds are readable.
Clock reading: 5,28
